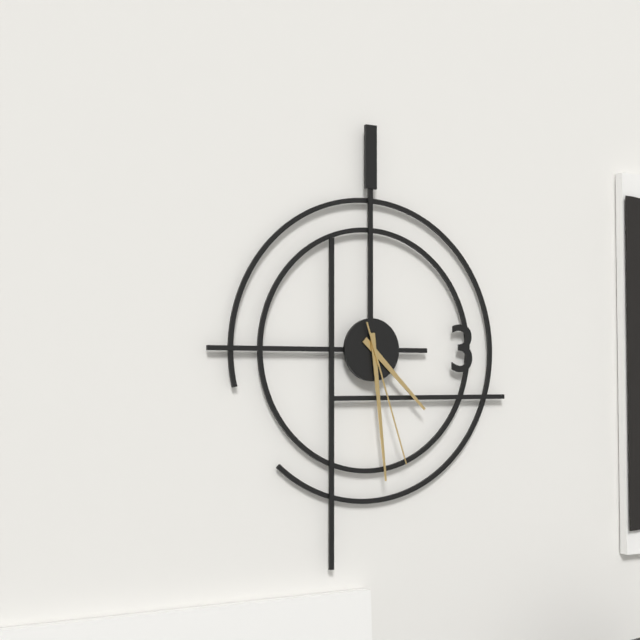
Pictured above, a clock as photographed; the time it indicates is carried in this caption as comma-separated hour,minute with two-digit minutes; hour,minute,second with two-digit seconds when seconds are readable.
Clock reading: 4,29,27
